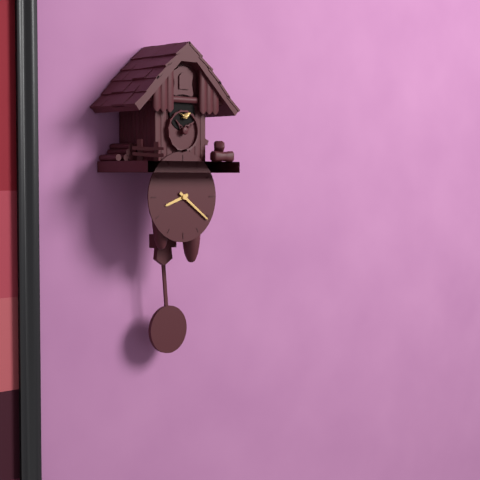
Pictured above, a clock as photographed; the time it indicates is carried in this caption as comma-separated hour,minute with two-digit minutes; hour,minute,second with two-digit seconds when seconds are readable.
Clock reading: 8,21
